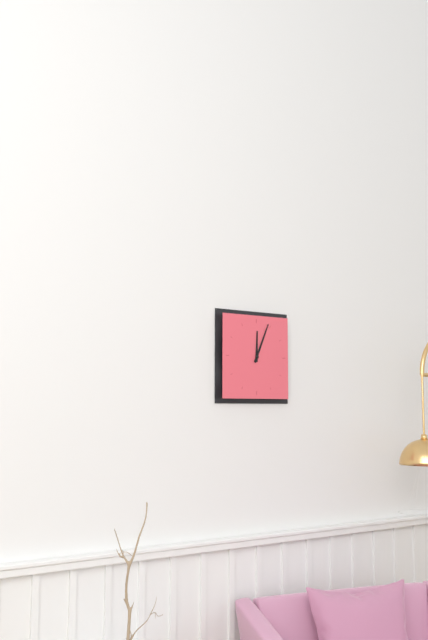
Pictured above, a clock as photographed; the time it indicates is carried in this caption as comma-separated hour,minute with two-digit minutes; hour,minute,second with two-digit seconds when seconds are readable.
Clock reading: 12,04
